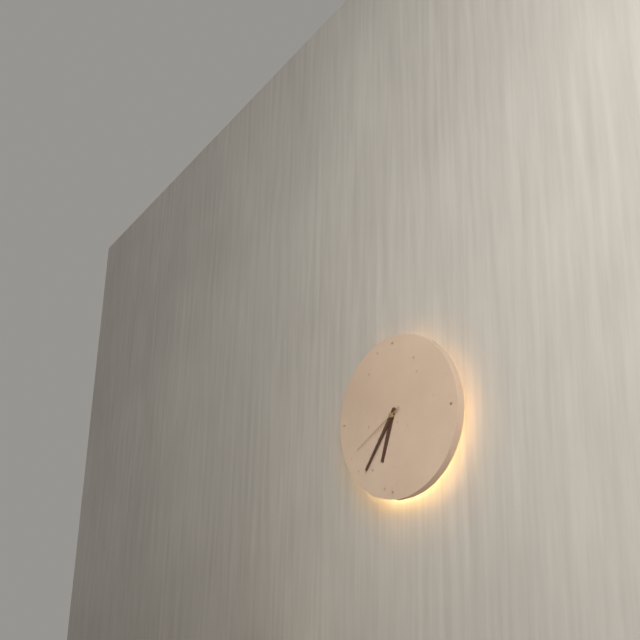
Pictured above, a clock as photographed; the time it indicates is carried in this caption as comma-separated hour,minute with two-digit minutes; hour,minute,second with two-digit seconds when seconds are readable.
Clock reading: 6,36,40
